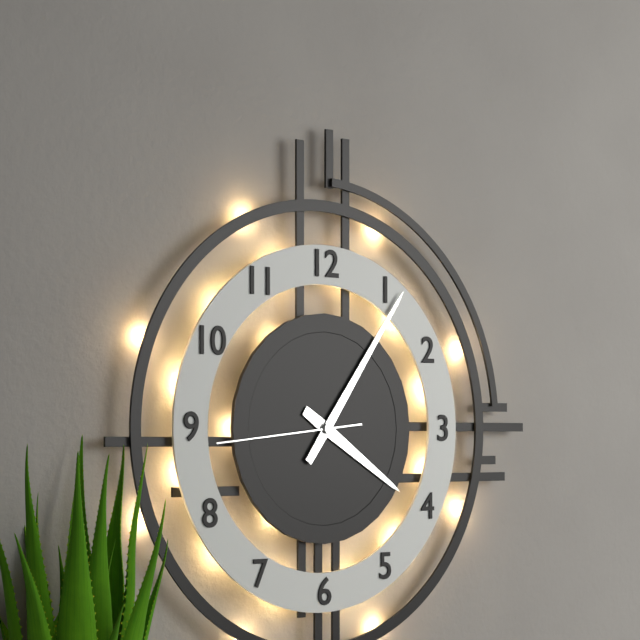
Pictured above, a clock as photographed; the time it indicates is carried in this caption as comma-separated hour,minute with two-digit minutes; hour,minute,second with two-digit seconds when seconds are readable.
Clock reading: 4,06,44
